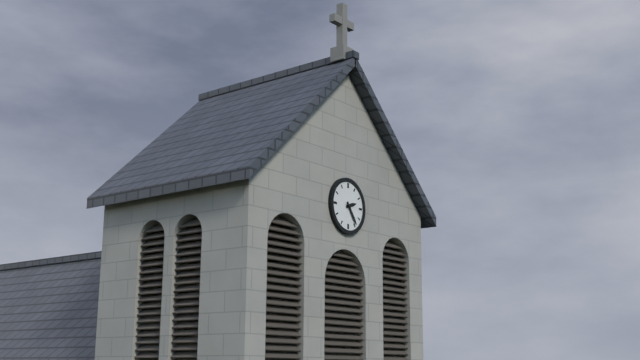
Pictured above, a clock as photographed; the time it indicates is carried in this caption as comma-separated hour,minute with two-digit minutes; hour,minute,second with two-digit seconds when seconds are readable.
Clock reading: 2,24
